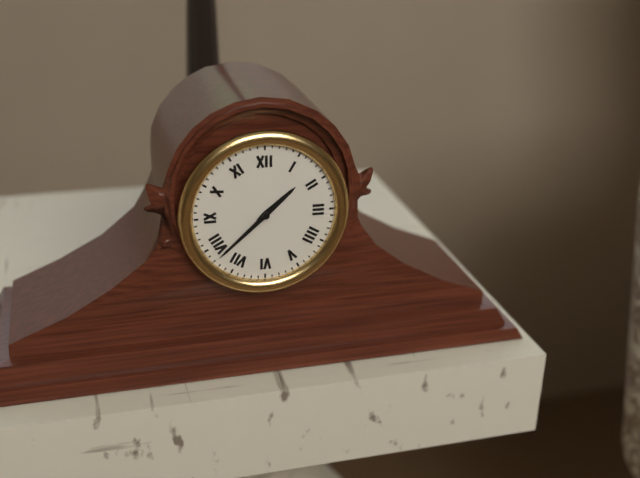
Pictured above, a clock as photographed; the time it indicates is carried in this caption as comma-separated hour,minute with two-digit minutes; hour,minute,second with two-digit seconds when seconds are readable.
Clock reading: 1,38
